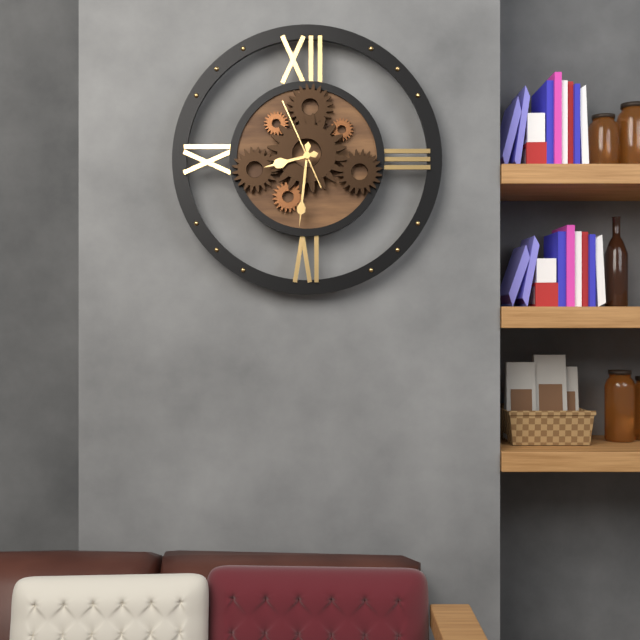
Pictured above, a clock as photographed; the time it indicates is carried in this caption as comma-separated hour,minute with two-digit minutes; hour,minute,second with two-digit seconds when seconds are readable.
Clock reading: 8,31,56
